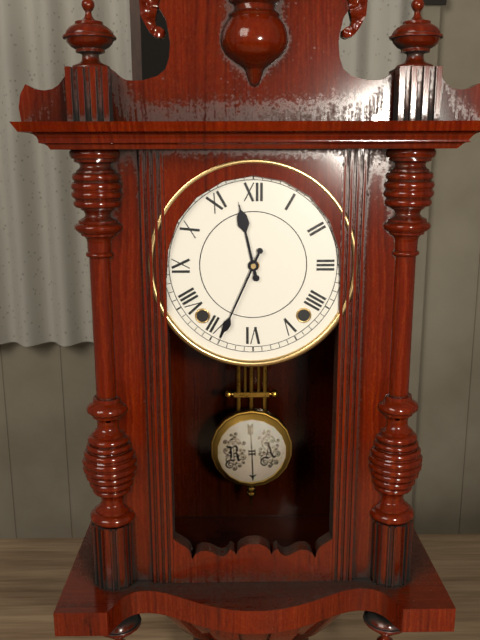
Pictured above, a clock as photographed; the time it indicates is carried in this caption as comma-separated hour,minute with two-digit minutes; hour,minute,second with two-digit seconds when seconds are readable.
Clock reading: 11,34
